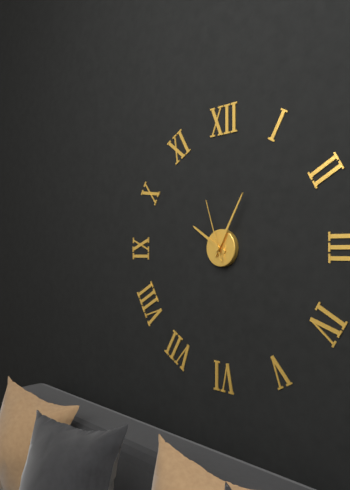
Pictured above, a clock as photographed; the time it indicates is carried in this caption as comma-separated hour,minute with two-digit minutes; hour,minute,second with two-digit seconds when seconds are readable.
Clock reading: 10,05,57
